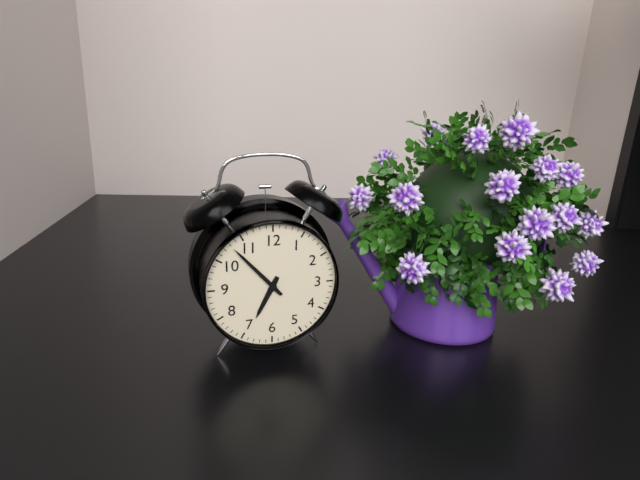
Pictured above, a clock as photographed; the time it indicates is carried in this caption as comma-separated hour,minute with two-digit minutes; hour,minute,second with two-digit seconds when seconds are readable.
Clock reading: 6,53
